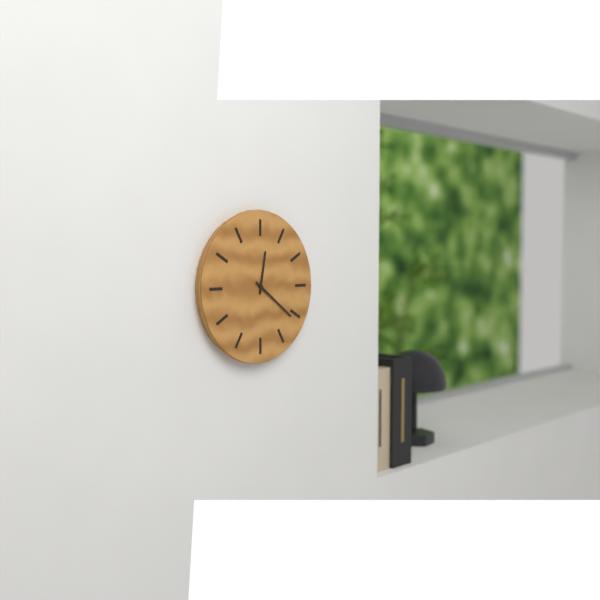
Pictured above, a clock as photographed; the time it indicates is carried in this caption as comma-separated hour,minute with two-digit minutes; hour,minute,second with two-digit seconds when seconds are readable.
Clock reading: 12,21
